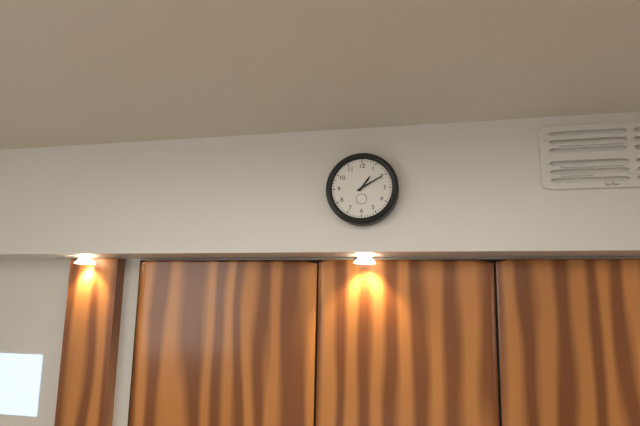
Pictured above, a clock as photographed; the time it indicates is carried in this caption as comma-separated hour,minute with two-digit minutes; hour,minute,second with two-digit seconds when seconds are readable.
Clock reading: 1,10
